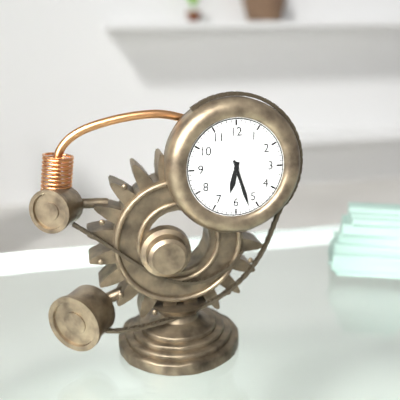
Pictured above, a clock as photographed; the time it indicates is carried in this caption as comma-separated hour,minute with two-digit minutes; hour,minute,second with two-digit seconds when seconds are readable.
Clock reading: 6,27
